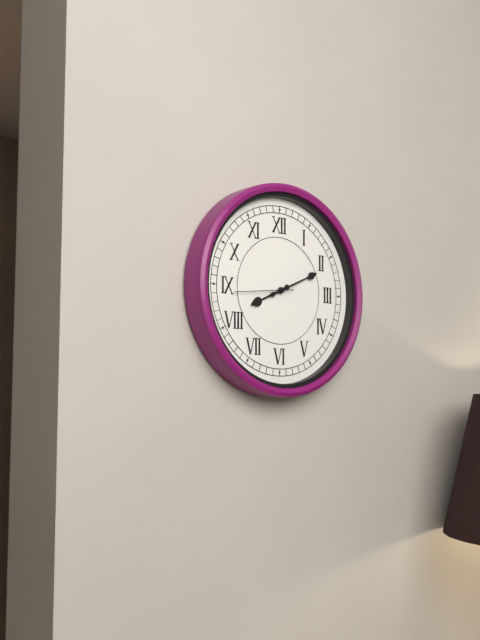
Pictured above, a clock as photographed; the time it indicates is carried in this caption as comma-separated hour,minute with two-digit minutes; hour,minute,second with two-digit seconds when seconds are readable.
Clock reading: 8,11
